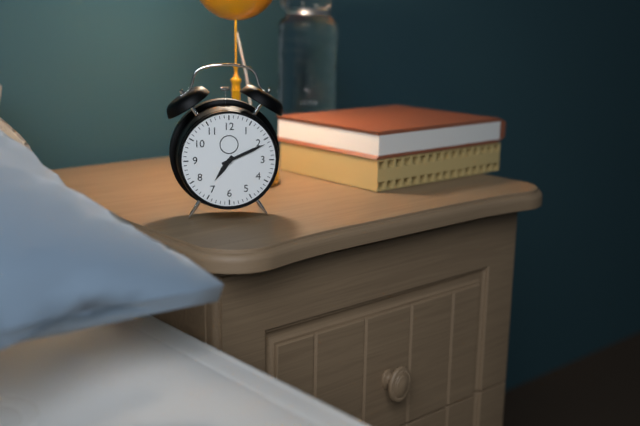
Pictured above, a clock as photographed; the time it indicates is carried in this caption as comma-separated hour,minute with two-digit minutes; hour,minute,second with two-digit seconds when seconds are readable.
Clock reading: 7,11
